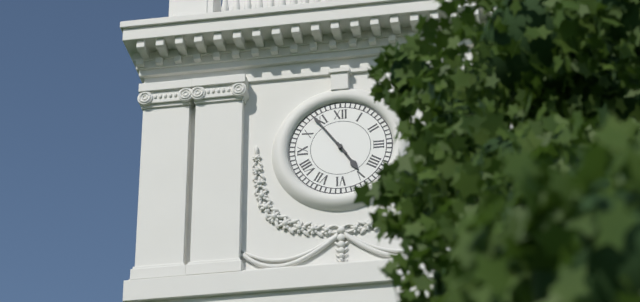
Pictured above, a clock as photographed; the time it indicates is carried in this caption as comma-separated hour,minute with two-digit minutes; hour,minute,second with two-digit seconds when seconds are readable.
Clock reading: 4,54
